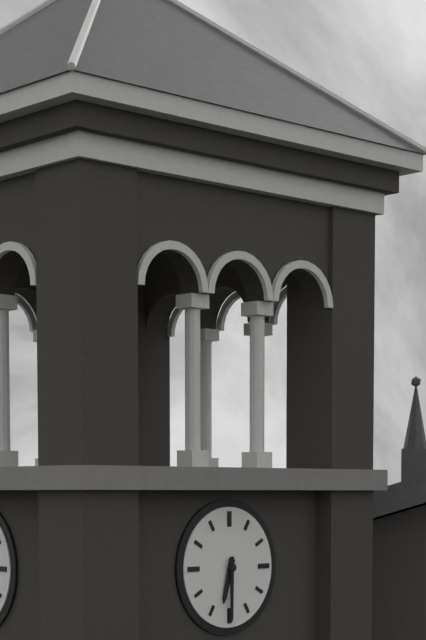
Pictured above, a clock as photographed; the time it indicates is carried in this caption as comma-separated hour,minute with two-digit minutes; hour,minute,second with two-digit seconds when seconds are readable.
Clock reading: 6,30
